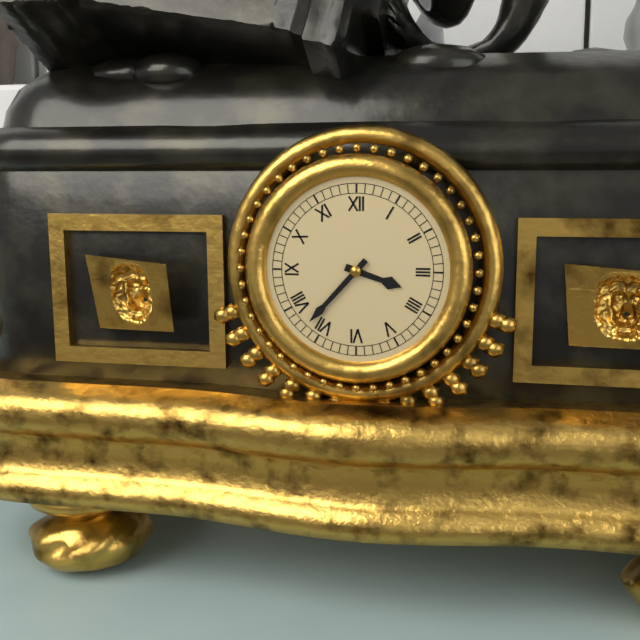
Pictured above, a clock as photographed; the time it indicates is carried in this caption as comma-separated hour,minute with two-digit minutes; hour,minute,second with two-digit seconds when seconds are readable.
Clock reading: 3,37
